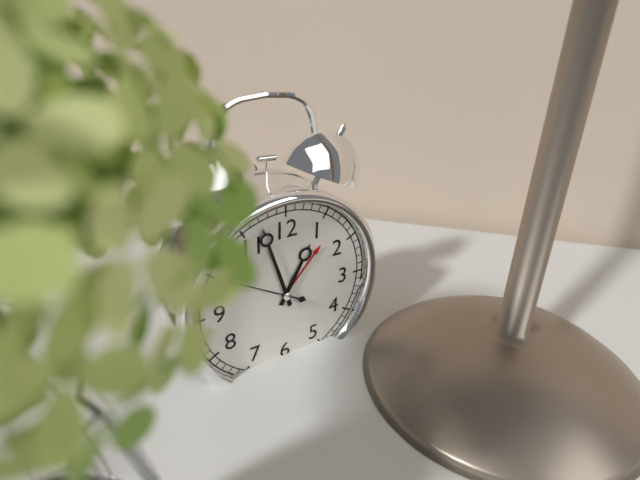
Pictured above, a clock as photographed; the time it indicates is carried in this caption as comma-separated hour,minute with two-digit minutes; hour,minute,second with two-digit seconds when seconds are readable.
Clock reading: 12,57
